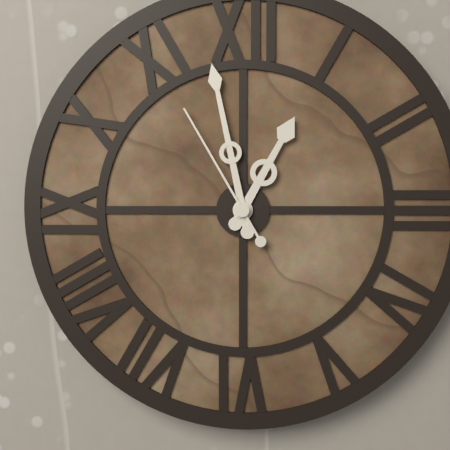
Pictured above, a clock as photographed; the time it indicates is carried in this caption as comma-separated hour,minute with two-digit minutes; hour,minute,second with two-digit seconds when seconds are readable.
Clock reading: 12,58,55
